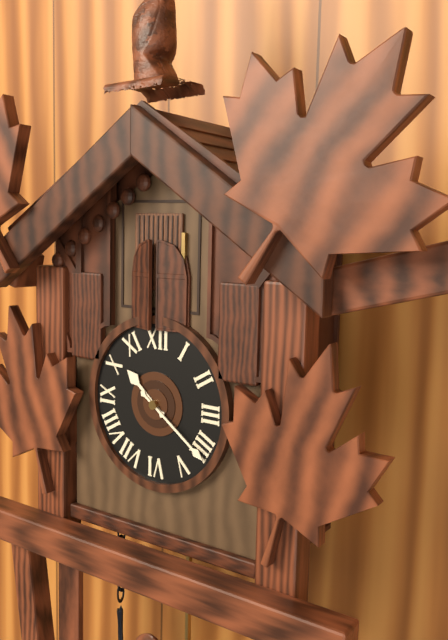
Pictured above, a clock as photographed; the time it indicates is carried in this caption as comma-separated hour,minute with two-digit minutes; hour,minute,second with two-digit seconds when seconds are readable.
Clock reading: 10,21
